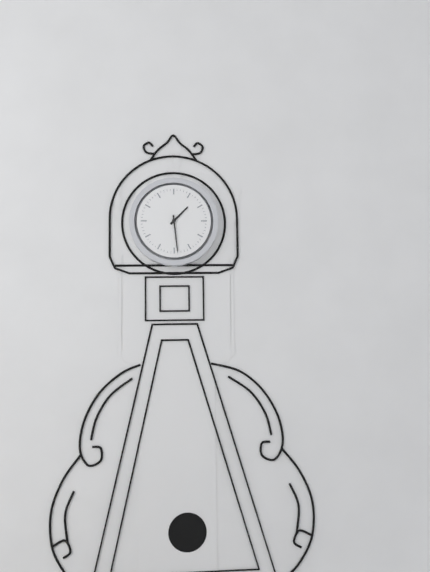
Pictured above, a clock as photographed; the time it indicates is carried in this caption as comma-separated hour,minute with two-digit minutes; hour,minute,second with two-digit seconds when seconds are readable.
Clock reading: 1,29
